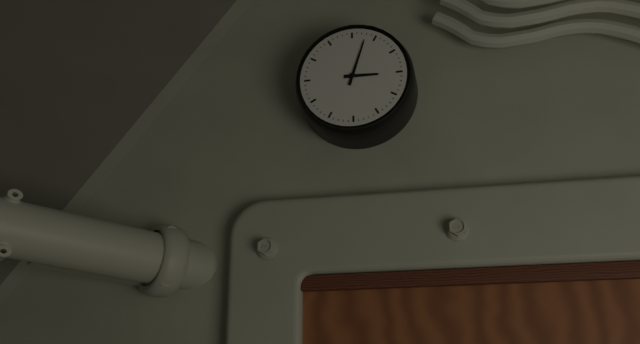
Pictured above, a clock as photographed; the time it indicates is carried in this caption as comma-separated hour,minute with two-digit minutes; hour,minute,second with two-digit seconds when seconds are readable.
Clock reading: 3,03
